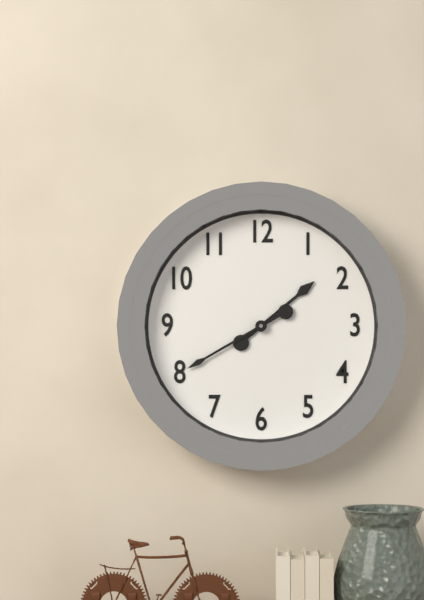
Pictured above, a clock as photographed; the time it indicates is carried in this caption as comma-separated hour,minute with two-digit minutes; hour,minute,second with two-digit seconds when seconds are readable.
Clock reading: 1,40
